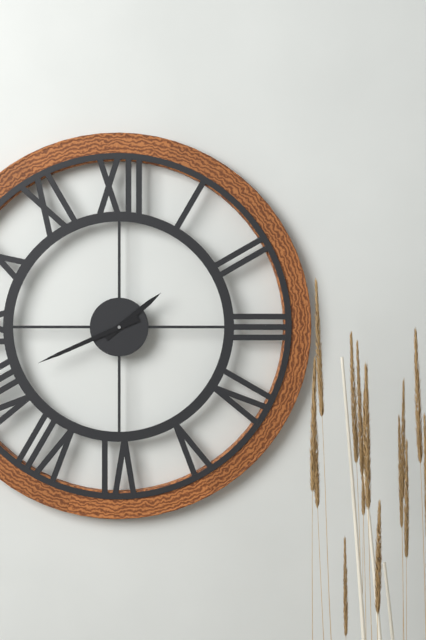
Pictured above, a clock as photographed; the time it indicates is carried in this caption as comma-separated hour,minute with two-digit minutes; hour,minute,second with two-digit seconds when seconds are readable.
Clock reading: 1,41
